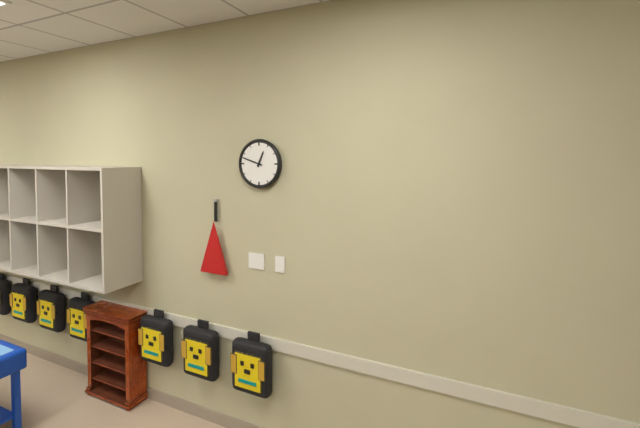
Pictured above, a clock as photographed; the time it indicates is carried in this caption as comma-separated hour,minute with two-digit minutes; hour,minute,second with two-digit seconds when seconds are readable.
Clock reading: 12,48
